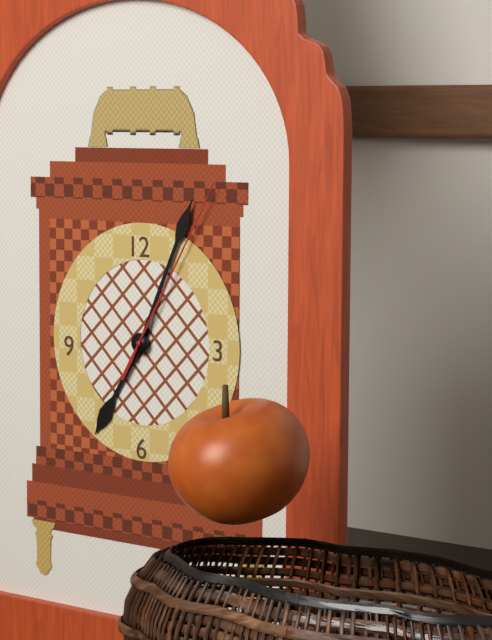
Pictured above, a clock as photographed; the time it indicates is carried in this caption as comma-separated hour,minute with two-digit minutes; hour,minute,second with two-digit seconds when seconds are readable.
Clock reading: 7,04,05
